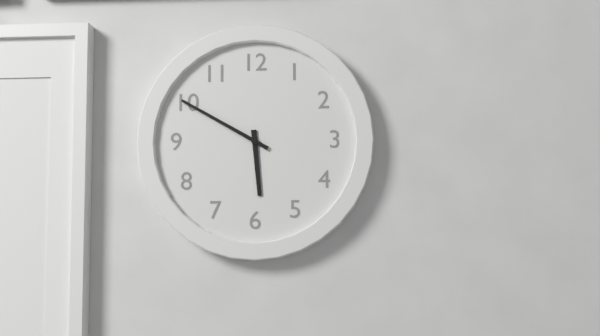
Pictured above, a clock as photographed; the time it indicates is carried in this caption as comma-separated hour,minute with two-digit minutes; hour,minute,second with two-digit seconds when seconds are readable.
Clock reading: 5,50
